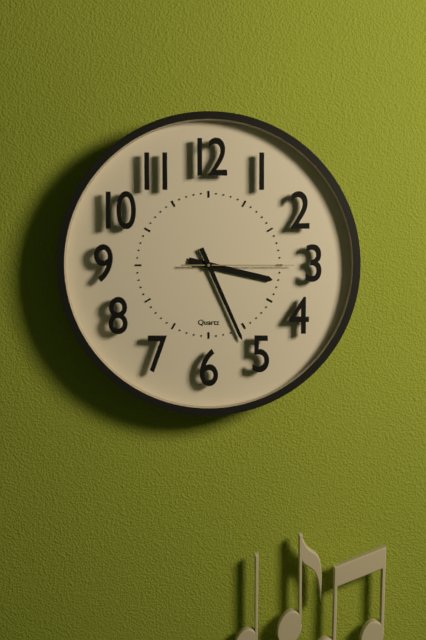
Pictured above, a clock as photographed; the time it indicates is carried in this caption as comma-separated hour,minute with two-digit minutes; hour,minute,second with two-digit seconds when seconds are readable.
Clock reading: 3,26,15
